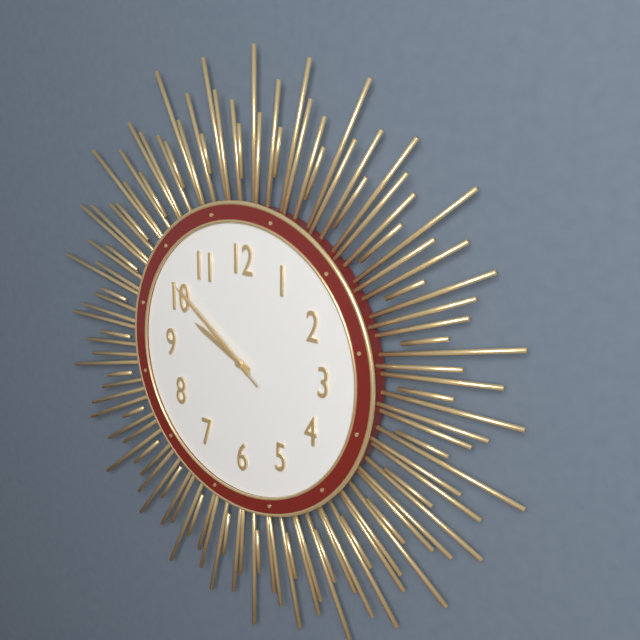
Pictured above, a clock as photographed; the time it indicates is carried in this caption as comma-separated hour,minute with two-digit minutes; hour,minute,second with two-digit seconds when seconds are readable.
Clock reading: 9,51,51
